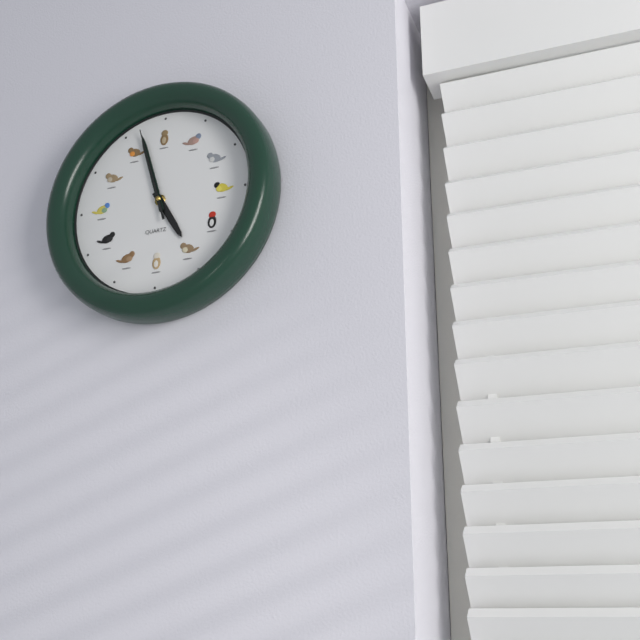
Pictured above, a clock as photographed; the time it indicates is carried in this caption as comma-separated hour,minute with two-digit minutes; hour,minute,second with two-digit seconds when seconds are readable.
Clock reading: 4,57,57
